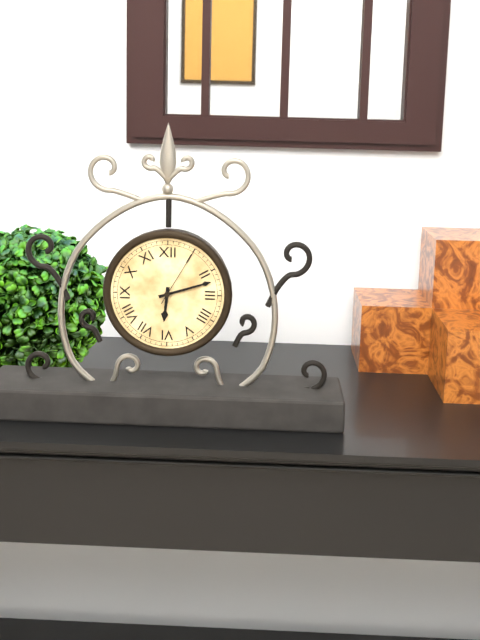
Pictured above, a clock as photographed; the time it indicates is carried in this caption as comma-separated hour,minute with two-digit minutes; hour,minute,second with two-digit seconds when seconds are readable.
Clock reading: 6,12,05
